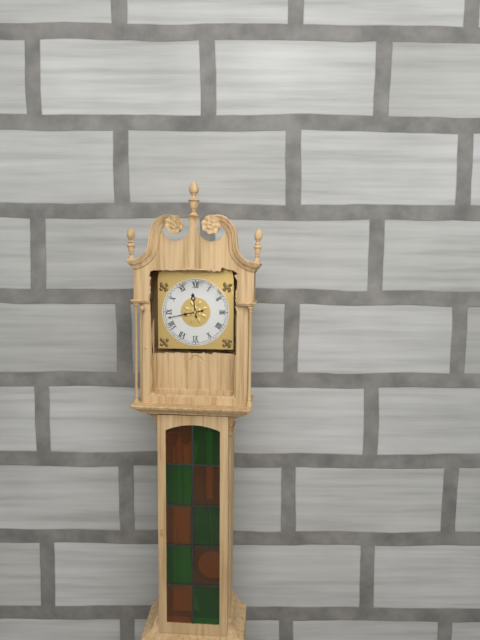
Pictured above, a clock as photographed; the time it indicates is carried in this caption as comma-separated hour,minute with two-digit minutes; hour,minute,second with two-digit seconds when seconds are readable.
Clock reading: 11,43
